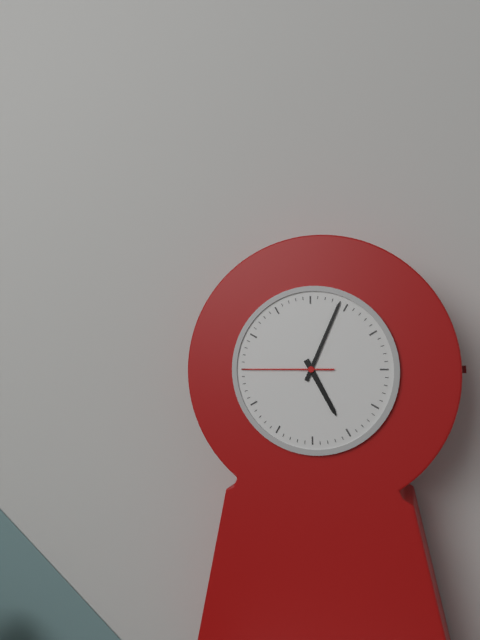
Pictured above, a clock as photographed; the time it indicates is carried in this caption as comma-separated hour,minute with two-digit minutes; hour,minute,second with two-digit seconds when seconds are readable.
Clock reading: 5,04,45
